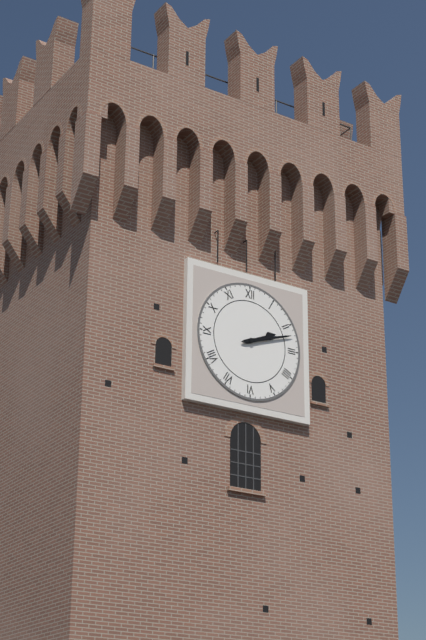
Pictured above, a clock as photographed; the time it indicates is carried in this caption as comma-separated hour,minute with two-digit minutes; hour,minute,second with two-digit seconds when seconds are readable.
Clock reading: 2,12
